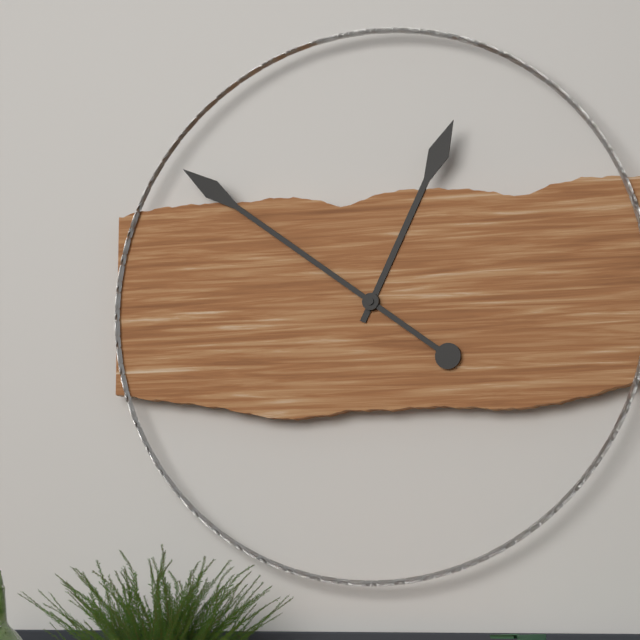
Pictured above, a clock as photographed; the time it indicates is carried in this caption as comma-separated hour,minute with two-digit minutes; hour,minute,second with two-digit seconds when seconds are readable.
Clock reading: 12,51
